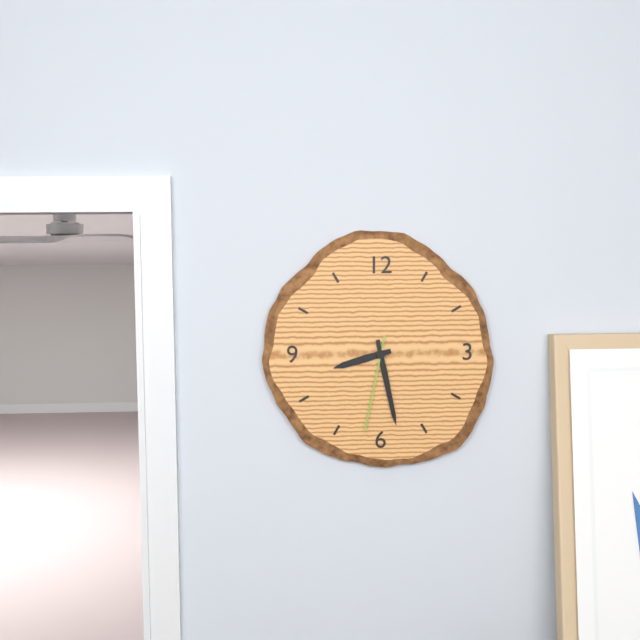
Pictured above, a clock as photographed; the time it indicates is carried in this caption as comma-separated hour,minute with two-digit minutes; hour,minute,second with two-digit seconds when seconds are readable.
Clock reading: 8,28,32
